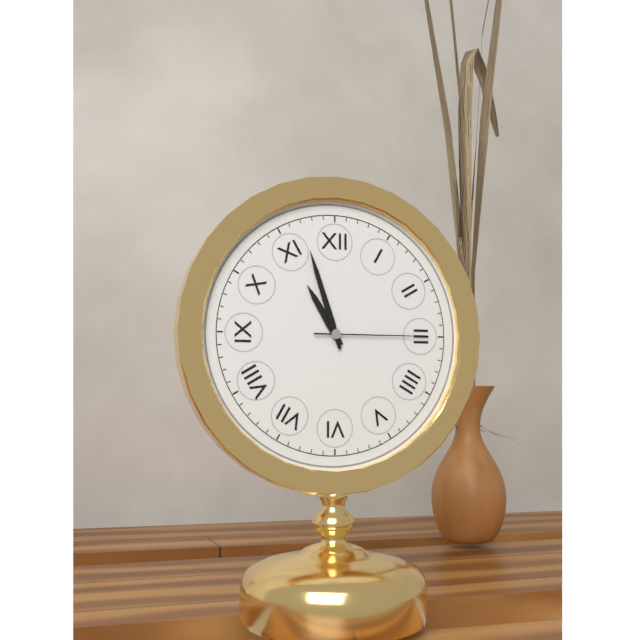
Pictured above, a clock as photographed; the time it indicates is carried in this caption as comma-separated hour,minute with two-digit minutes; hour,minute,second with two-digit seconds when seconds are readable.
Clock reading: 10,57,15
